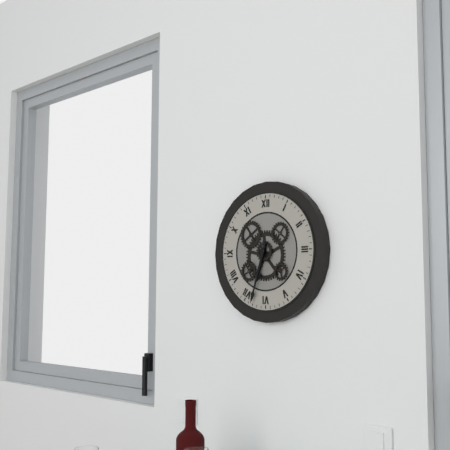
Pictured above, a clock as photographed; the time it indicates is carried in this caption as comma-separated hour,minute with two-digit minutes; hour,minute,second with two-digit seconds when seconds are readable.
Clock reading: 6,33
